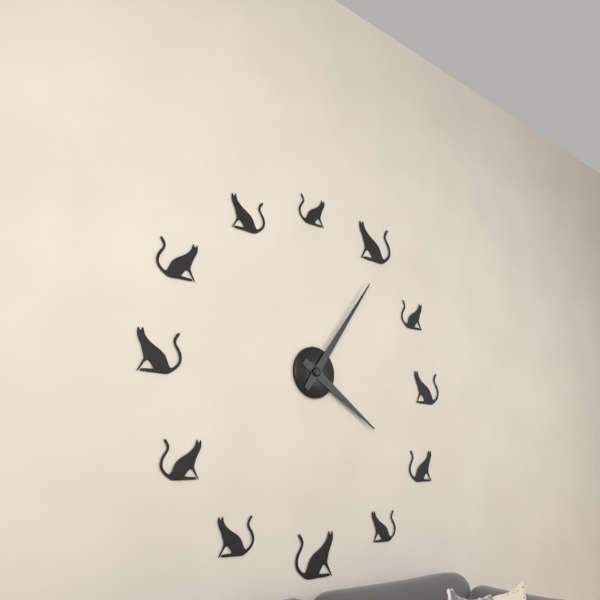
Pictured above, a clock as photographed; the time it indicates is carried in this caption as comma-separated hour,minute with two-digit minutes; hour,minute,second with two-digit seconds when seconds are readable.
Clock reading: 4,06
